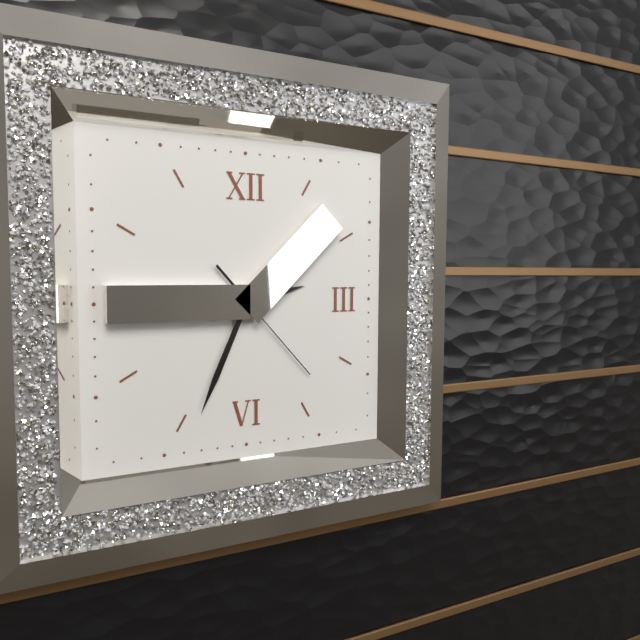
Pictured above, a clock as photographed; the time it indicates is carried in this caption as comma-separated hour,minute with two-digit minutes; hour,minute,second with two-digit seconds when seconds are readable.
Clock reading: 2,34,23
